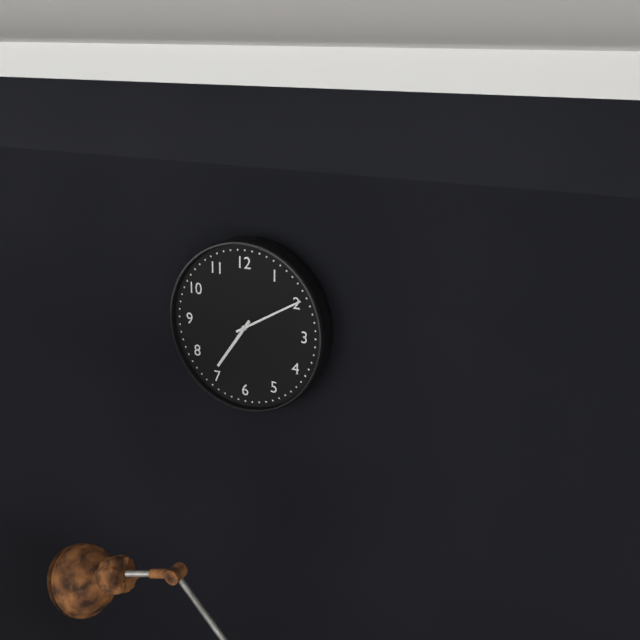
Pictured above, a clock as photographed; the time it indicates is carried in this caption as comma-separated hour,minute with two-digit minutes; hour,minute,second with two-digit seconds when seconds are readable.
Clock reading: 7,10
